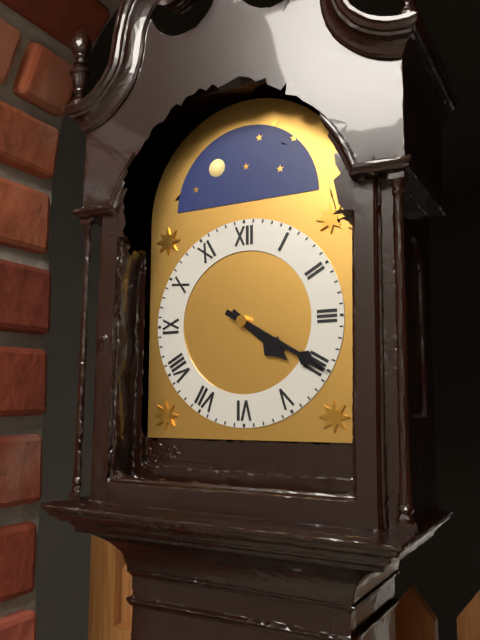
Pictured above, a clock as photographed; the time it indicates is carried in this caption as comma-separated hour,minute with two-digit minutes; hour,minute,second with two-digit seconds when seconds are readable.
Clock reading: 4,20
